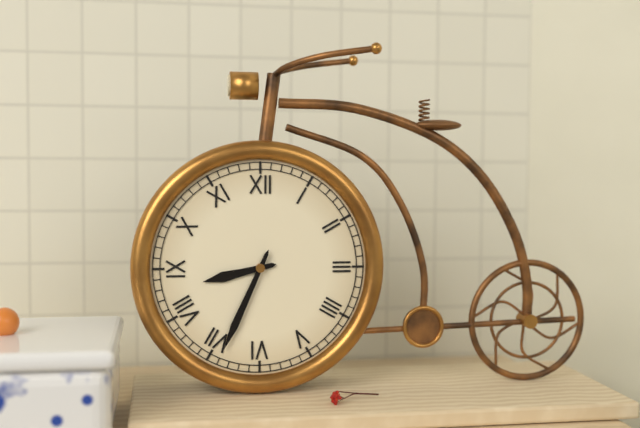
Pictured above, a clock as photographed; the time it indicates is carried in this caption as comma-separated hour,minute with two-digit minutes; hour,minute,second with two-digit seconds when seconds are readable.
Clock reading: 8,34
